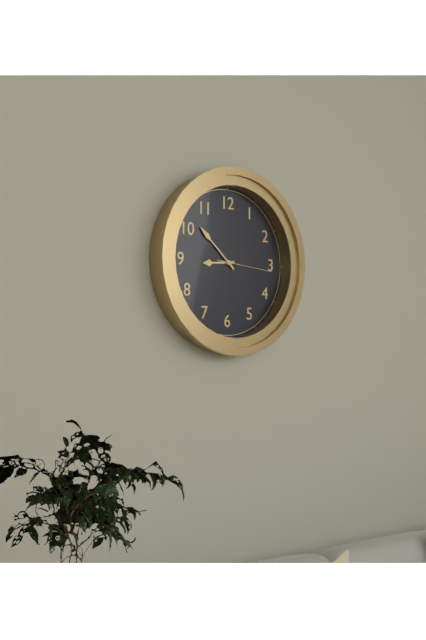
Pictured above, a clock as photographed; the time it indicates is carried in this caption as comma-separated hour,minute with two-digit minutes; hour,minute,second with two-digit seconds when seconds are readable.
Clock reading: 8,52,16
